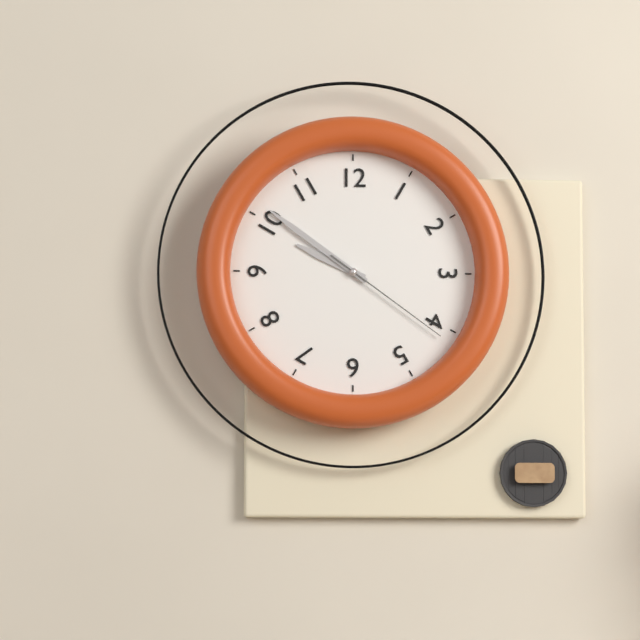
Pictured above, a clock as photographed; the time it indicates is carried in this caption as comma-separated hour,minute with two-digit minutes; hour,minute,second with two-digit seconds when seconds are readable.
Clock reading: 9,51,21
